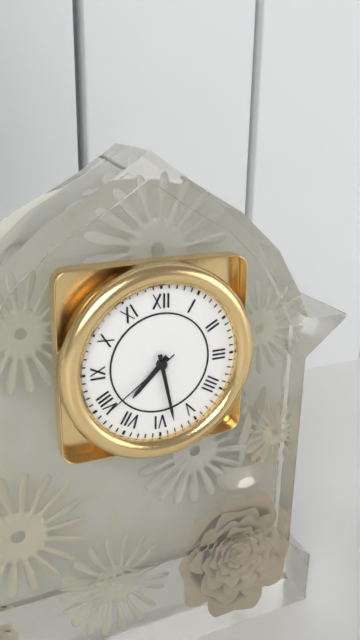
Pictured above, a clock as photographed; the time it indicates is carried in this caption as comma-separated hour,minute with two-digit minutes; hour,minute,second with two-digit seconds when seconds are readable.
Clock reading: 7,28,39
